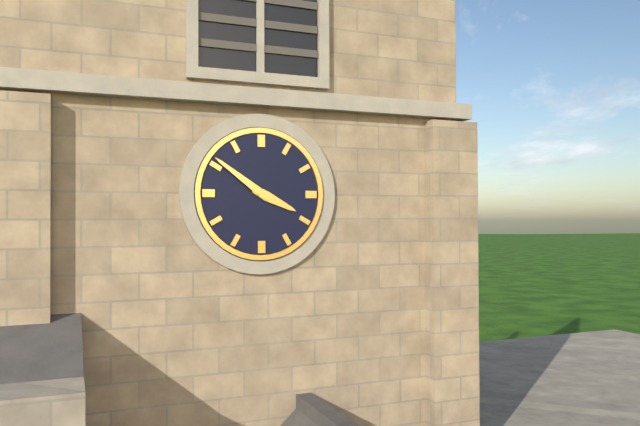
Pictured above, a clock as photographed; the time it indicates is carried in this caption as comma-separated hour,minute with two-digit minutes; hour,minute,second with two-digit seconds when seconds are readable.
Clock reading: 3,51
